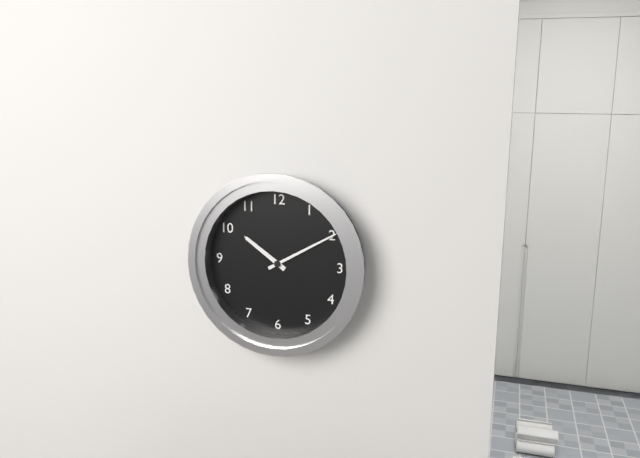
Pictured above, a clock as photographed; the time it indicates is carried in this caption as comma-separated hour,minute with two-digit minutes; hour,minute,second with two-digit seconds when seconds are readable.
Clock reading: 10,10
